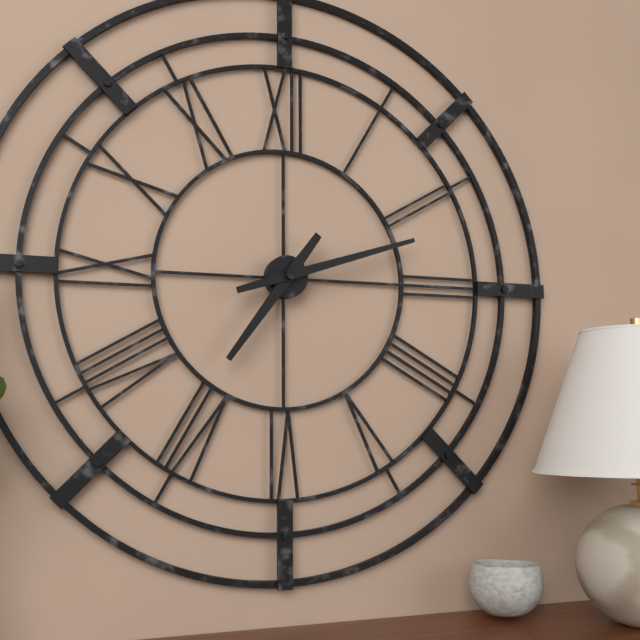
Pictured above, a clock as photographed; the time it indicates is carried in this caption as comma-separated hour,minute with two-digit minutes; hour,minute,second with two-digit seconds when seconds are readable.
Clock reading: 7,12
